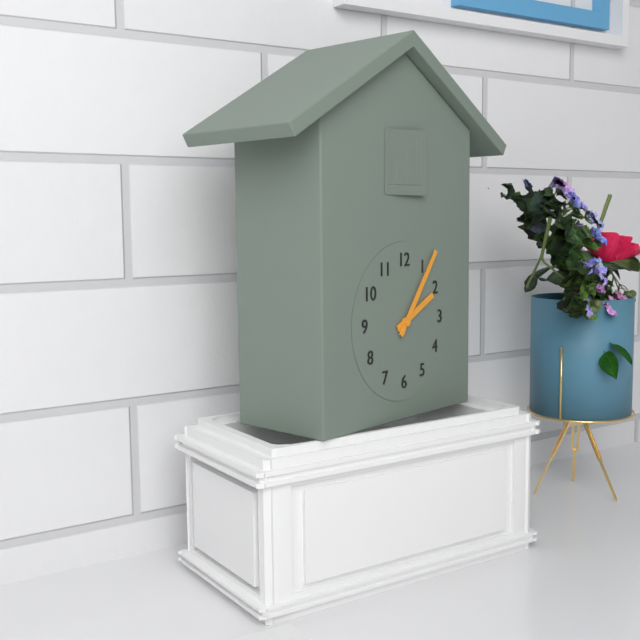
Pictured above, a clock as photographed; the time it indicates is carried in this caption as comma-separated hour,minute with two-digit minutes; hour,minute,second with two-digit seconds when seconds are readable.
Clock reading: 2,06
